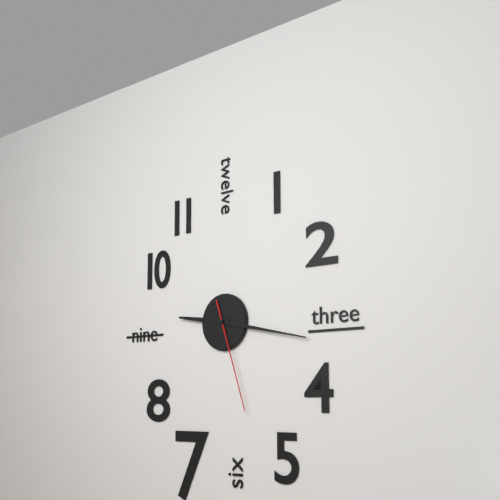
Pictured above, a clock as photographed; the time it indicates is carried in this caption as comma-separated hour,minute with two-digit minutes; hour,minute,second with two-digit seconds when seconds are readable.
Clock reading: 9,17,27
